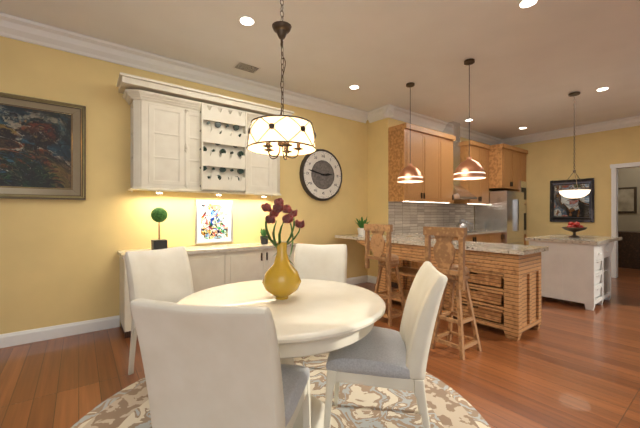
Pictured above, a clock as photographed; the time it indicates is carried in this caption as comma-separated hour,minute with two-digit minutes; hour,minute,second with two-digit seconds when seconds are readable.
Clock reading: 2,47
